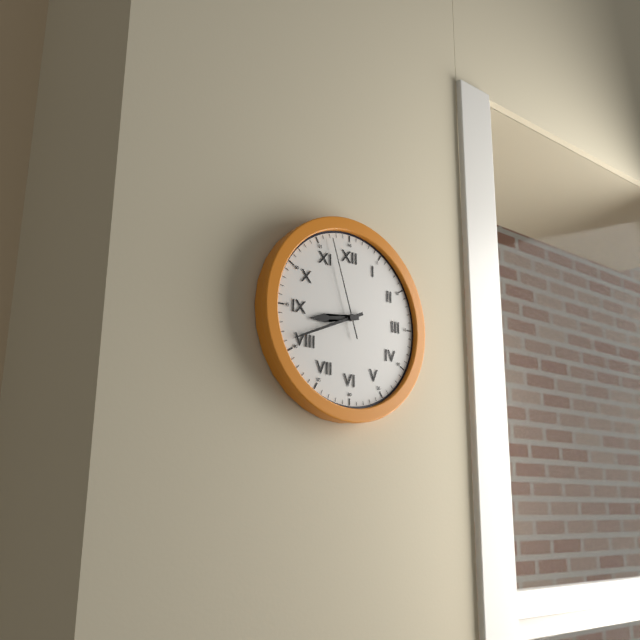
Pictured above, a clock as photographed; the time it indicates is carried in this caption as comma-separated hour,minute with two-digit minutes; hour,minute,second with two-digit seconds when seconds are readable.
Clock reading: 8,41,57
